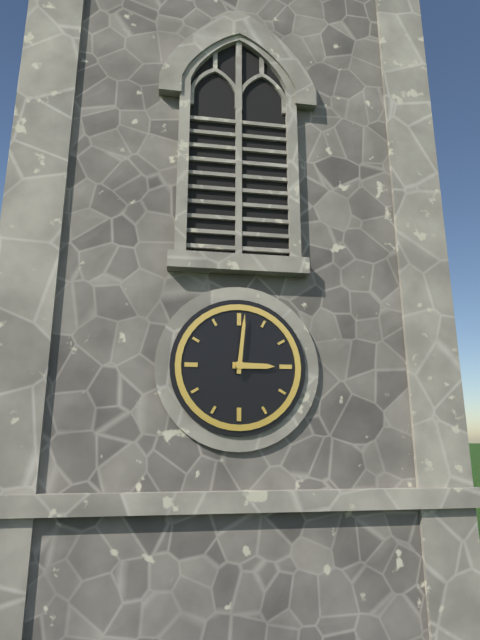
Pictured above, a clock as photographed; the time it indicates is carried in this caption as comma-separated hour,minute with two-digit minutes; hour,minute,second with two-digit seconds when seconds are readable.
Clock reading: 3,01
